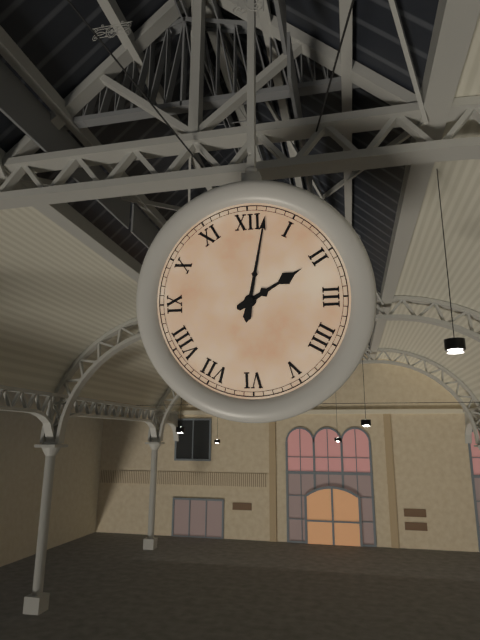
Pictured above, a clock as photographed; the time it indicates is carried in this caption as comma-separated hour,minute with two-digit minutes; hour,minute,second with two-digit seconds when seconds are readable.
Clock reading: 2,02
